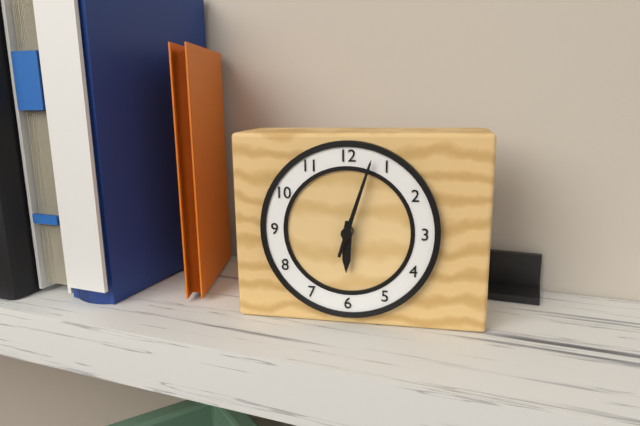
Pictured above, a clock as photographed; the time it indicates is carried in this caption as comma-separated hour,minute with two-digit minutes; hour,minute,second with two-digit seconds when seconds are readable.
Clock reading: 6,03
